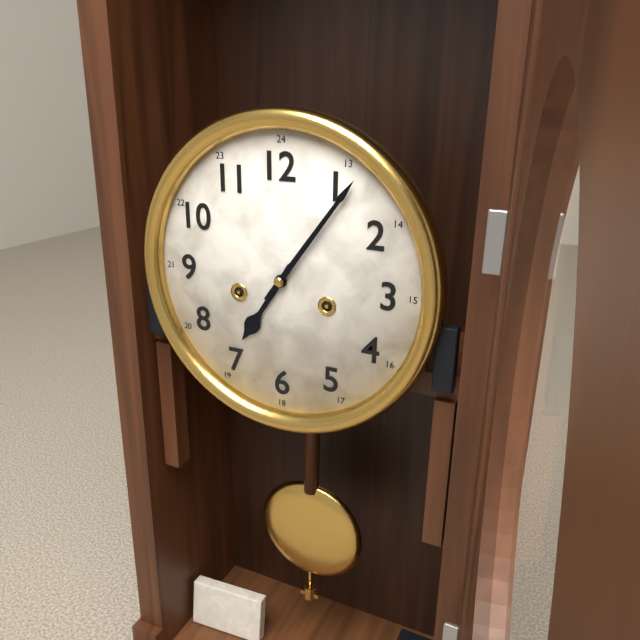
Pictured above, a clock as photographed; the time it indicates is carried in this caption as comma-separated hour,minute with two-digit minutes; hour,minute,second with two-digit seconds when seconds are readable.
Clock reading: 7,06
